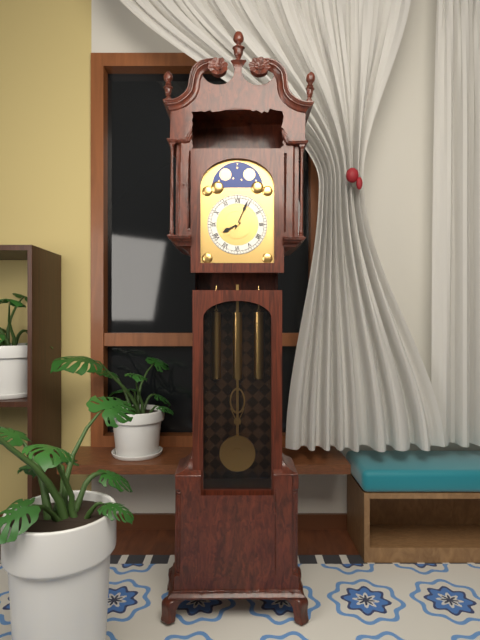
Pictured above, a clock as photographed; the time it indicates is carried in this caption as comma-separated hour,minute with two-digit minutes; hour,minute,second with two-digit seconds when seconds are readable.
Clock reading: 8,04
